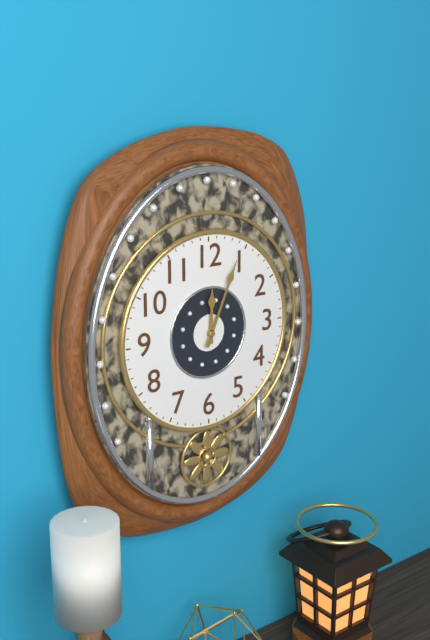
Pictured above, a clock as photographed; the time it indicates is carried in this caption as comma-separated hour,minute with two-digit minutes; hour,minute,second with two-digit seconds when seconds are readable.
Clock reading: 12,04
